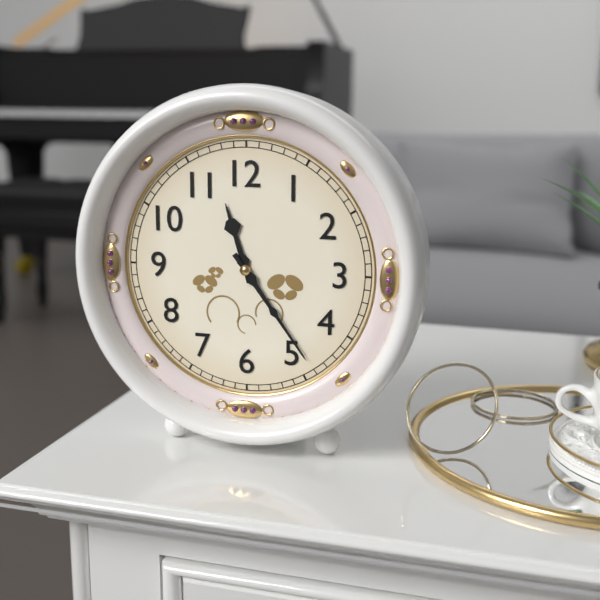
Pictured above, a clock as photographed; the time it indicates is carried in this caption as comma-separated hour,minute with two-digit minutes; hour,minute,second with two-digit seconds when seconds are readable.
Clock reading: 11,24
